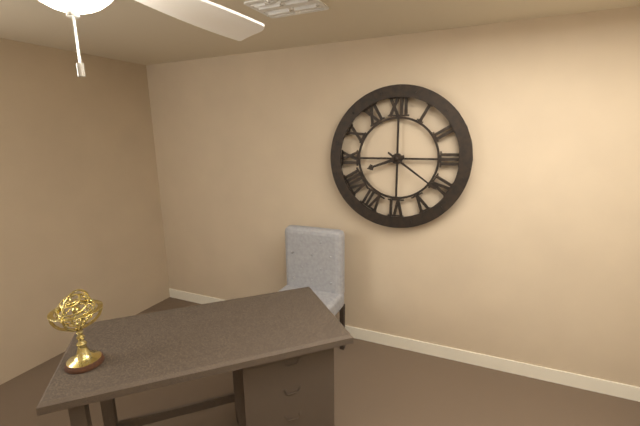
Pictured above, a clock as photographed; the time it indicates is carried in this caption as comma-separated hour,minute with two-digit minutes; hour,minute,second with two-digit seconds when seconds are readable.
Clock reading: 8,21
